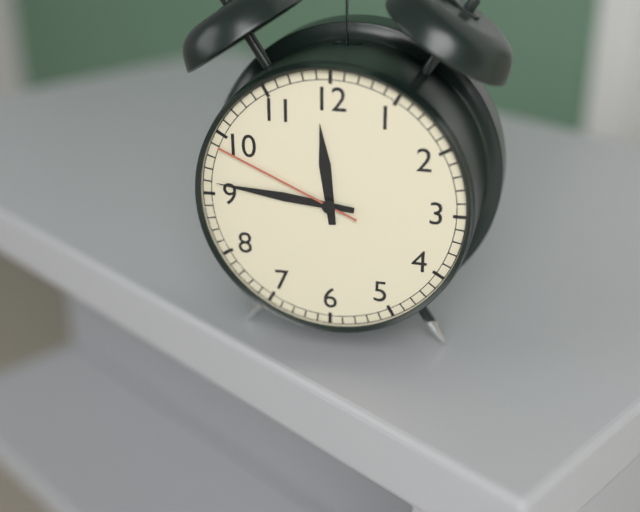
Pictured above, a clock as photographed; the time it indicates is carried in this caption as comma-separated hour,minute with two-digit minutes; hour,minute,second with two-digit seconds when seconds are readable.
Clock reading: 11,46,49
